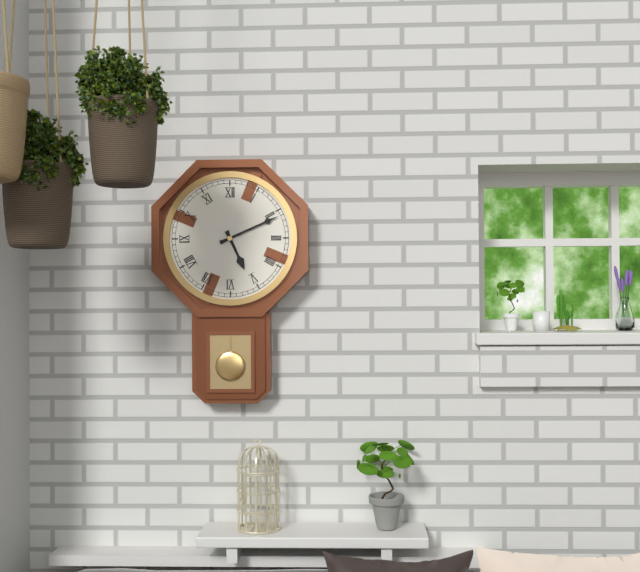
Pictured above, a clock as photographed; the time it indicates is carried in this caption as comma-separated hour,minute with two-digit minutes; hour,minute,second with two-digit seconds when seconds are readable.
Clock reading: 5,11
